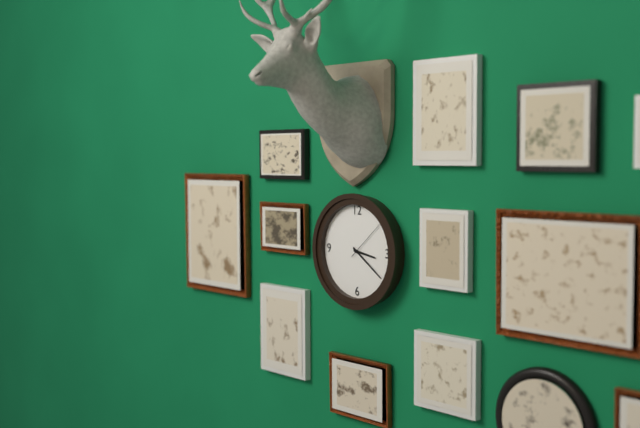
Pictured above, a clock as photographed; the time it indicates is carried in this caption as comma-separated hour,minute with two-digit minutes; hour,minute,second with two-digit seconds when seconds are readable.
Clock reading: 3,21
